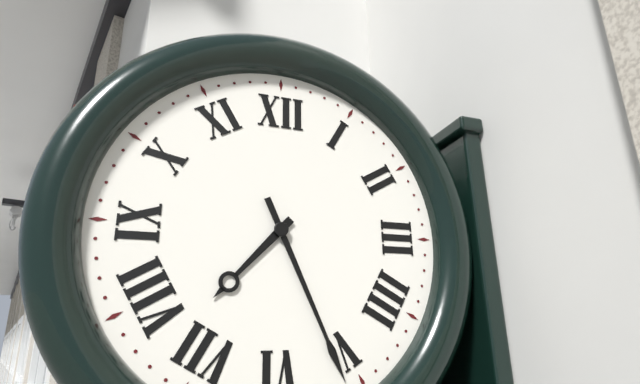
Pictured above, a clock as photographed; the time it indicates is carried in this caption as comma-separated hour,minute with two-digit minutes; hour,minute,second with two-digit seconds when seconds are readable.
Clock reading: 7,26
